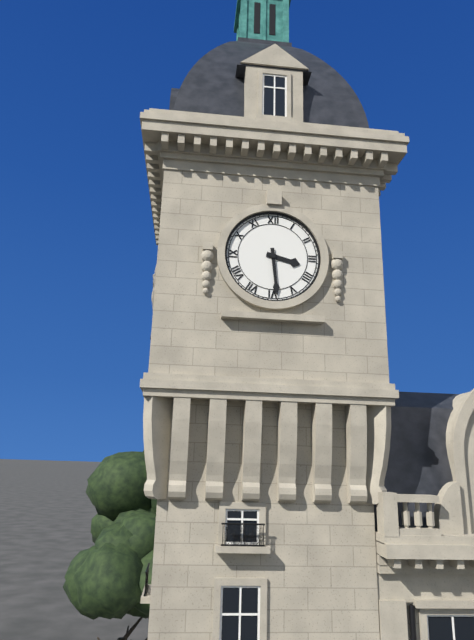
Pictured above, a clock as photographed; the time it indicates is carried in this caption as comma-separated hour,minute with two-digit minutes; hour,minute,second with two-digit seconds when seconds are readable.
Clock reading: 3,29
